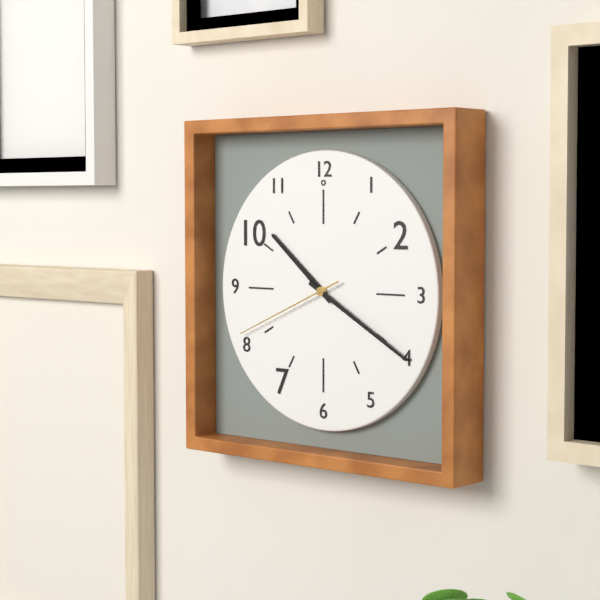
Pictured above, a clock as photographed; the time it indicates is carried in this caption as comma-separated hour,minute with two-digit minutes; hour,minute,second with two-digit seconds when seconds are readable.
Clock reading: 10,20,41
